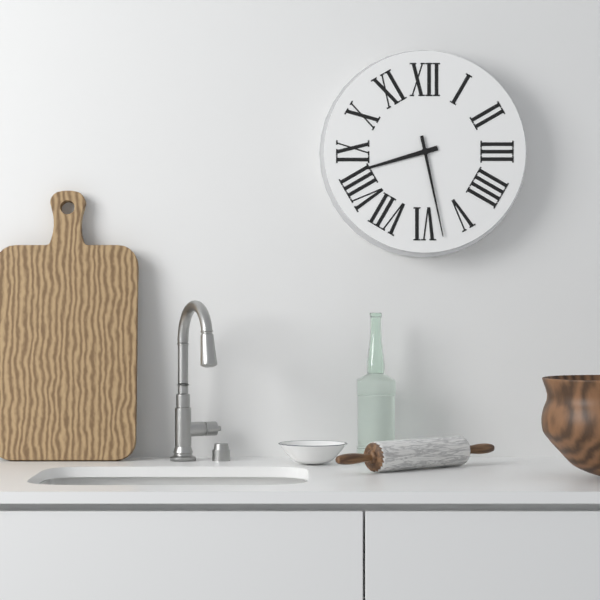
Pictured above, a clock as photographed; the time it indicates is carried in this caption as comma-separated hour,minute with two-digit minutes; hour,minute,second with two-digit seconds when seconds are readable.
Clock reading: 8,28
